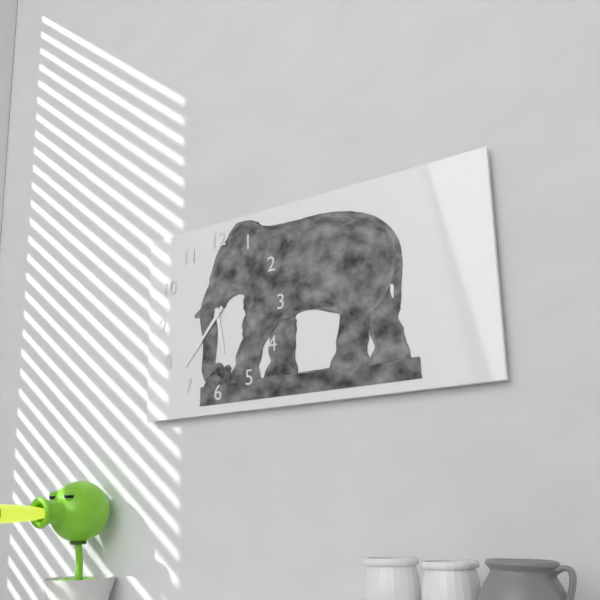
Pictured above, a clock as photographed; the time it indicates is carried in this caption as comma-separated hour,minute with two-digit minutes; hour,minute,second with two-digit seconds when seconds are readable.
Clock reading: 5,37
